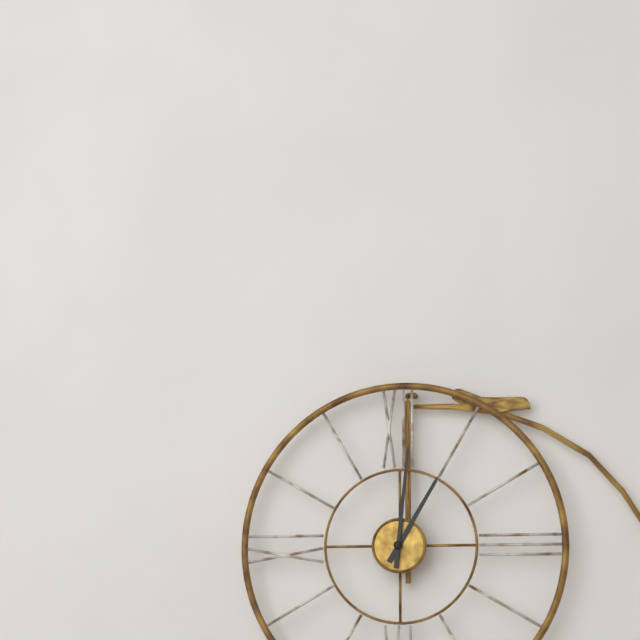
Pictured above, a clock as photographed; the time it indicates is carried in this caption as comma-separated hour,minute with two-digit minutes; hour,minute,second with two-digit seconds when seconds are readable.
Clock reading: 1,01
